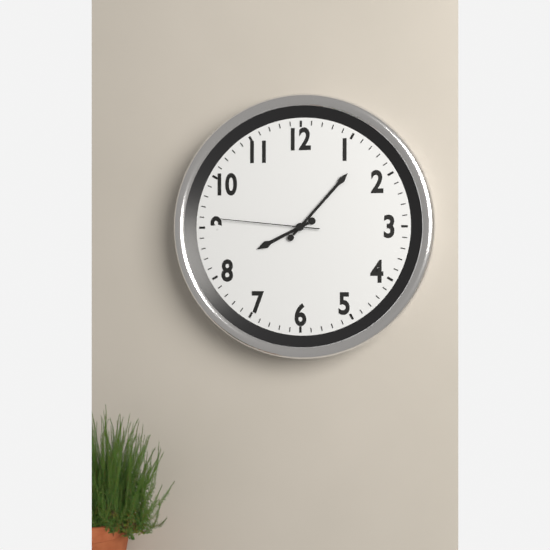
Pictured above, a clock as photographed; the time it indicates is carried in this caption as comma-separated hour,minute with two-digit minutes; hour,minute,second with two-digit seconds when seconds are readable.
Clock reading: 8,07,46
